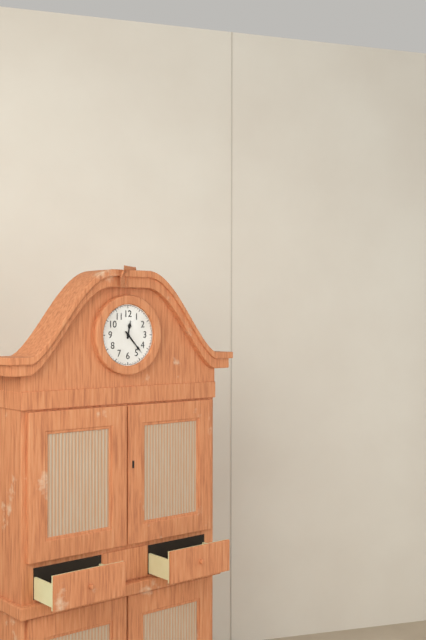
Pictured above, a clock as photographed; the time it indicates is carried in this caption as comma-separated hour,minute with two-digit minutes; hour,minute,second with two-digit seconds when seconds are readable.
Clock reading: 12,23
